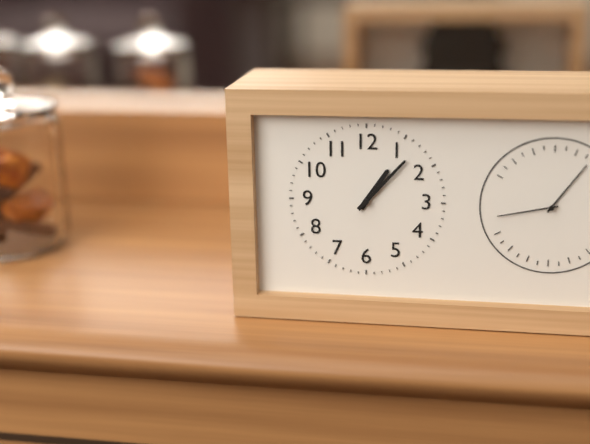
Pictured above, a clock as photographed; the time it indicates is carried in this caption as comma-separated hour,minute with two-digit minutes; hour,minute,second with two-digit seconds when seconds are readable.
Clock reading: 1,07
